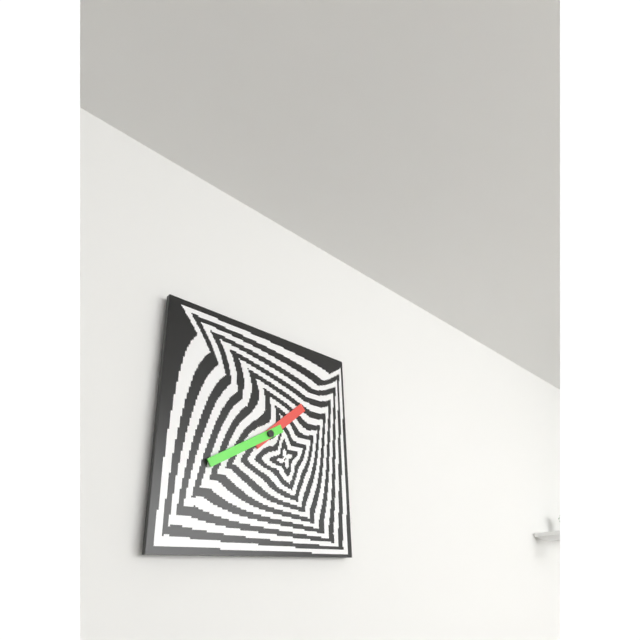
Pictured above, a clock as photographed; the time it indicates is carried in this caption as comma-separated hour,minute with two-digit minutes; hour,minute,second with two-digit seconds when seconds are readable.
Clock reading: 1,40
